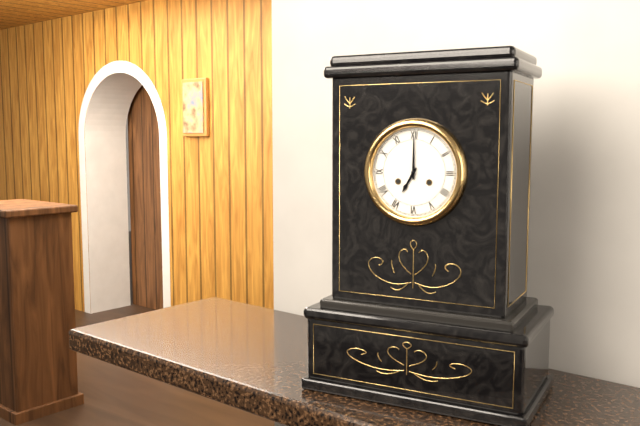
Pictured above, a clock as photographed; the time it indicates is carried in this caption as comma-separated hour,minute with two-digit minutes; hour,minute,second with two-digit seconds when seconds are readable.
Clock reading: 7,00
